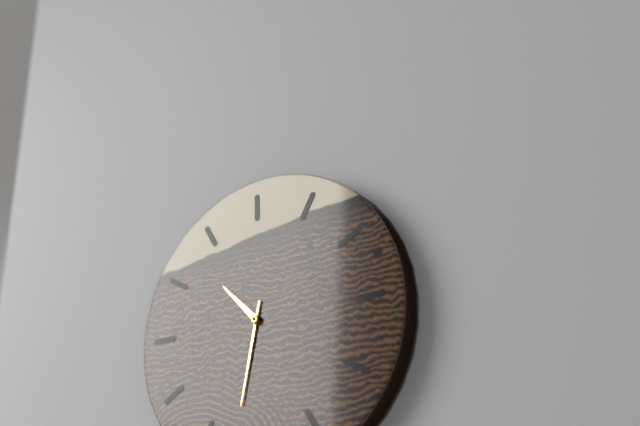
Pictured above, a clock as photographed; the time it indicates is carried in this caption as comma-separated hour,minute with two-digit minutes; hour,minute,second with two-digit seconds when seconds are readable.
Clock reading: 10,32
